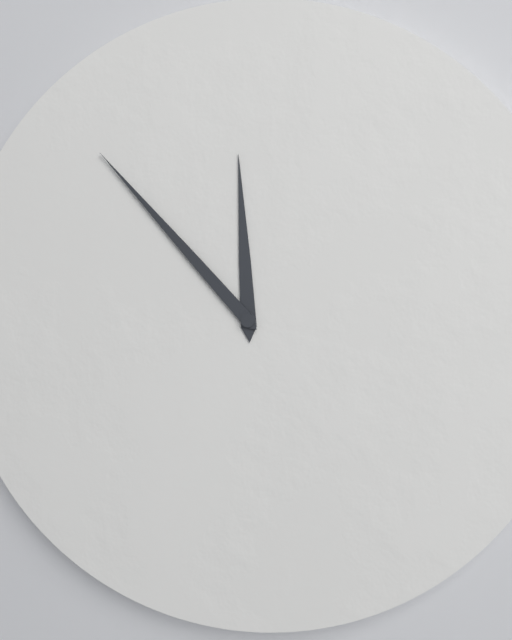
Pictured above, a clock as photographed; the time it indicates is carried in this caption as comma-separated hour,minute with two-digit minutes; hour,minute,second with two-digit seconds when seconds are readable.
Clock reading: 11,53
